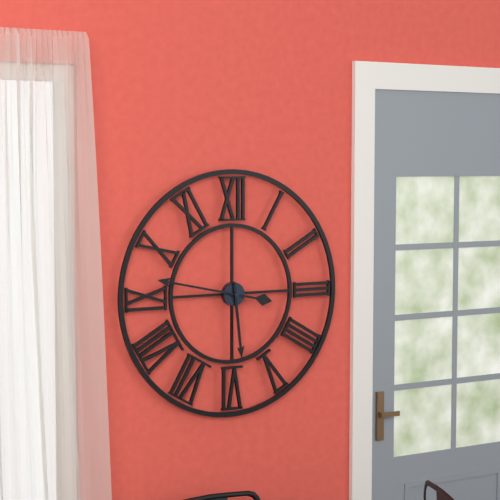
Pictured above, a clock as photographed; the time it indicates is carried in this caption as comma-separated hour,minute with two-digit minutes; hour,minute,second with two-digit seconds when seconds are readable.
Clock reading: 5,47
